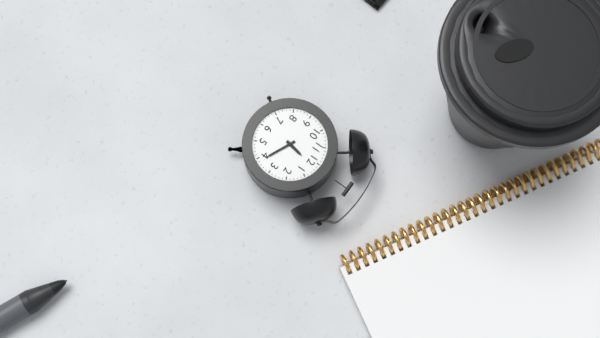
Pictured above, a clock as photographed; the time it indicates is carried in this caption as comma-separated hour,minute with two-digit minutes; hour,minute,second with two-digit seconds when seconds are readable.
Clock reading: 12,19
